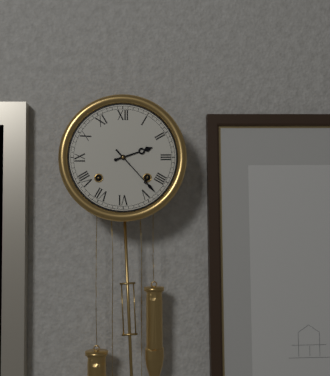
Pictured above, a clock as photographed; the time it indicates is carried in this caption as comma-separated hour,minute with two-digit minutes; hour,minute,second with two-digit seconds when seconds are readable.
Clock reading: 2,23
